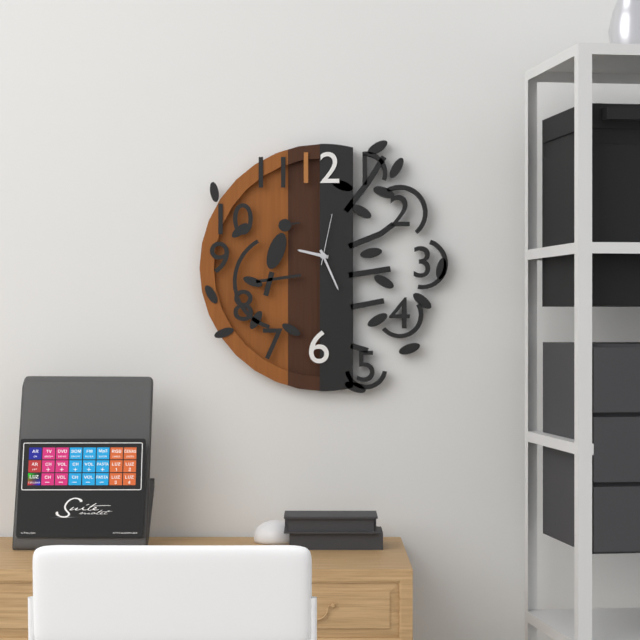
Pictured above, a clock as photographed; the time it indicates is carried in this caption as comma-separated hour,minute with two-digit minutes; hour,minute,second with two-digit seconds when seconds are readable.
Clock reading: 9,26,02
